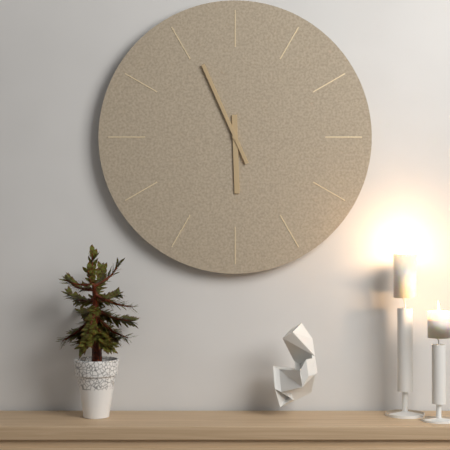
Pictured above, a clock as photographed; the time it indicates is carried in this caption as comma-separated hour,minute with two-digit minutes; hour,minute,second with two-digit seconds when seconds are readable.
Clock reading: 5,56
